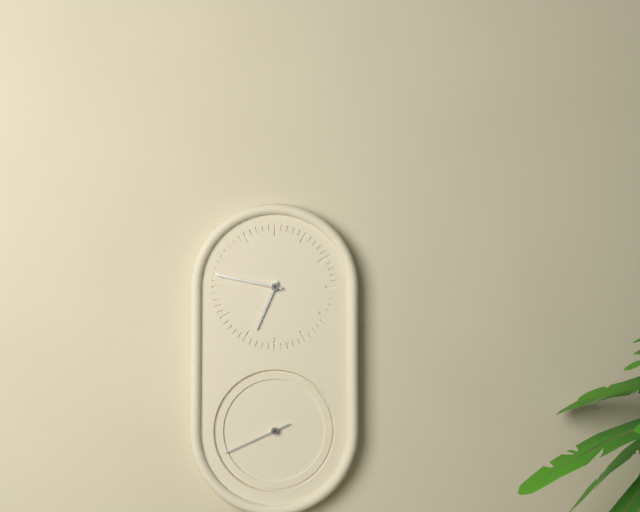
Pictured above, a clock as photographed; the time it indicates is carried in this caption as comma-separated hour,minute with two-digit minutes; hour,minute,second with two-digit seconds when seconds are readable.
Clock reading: 6,47,41
